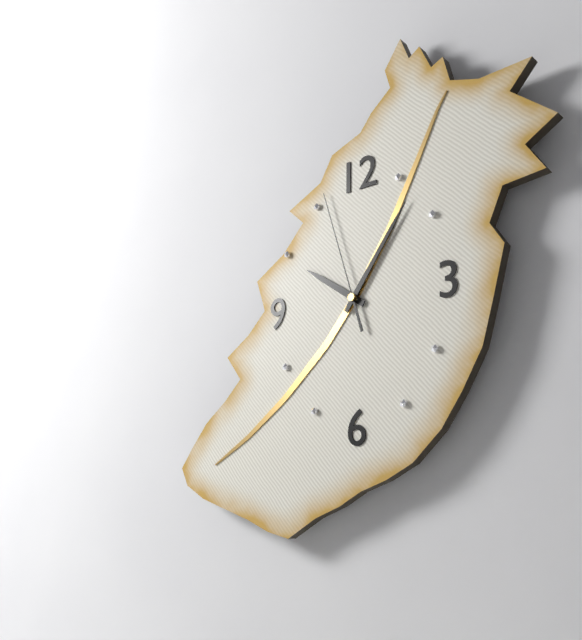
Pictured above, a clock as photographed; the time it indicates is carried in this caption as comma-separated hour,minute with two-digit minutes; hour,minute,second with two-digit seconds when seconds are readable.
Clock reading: 10,06,57
